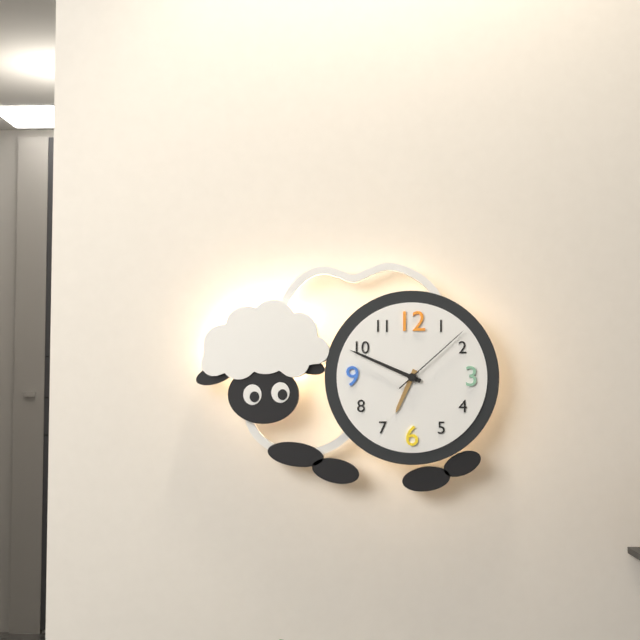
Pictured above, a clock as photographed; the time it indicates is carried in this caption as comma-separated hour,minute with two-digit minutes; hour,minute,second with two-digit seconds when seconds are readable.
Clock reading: 6,49,08
